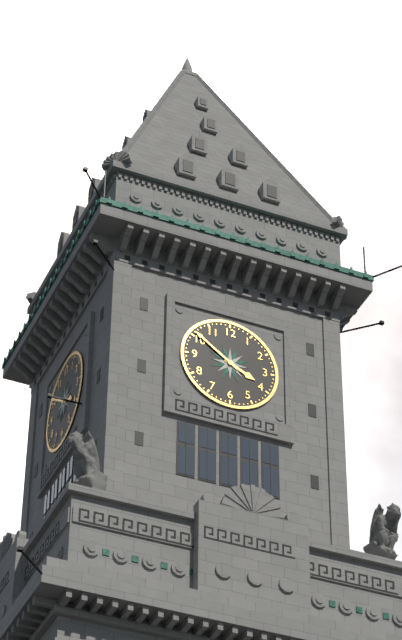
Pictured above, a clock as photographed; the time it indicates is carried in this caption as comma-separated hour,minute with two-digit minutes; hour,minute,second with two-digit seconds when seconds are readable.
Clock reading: 3,51
